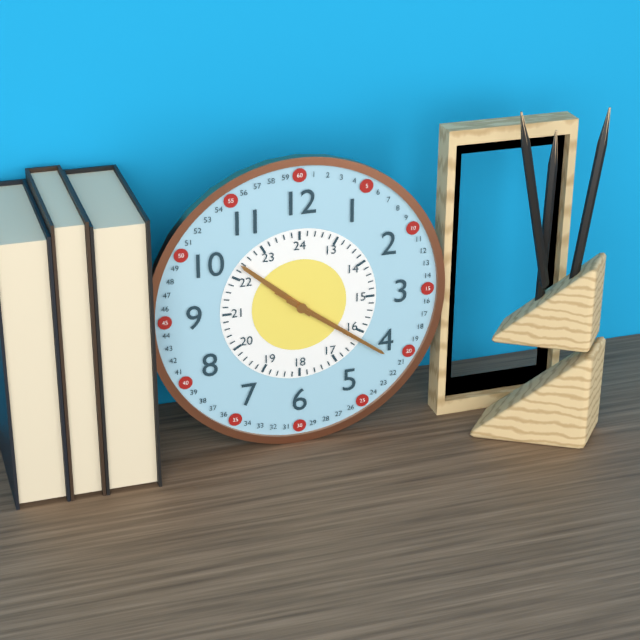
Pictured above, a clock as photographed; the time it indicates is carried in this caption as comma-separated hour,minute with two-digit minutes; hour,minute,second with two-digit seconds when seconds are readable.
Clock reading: 10,21,21
